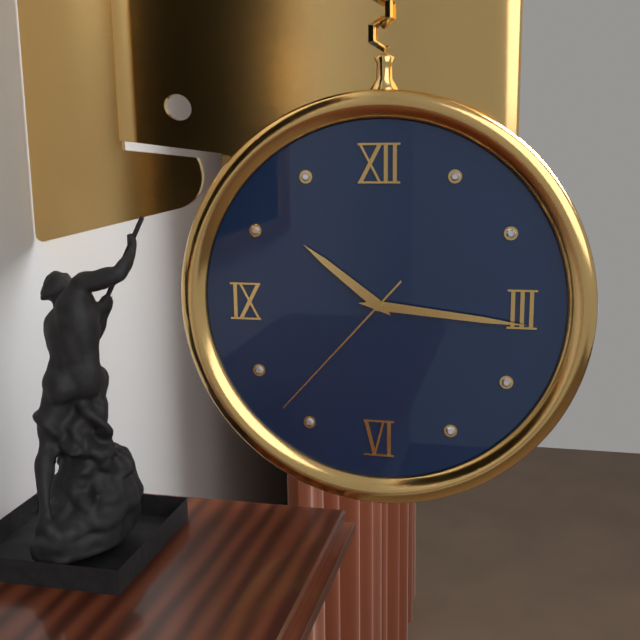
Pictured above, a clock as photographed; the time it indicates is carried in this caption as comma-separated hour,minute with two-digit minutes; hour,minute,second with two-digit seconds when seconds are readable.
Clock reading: 10,16,37
